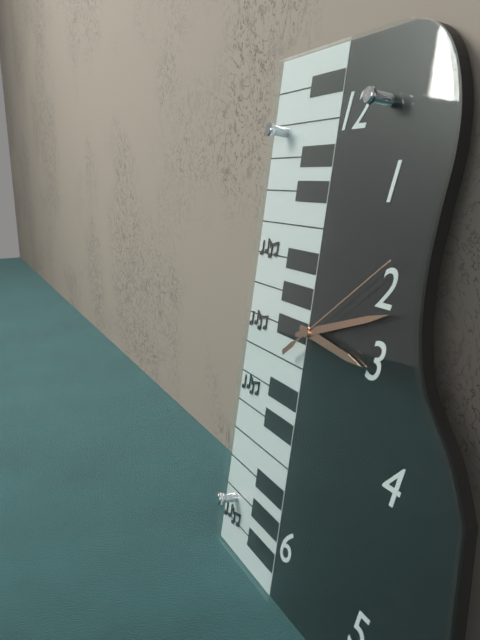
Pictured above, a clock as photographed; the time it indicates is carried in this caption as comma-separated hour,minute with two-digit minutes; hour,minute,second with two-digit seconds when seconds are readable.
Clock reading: 3,12,09
